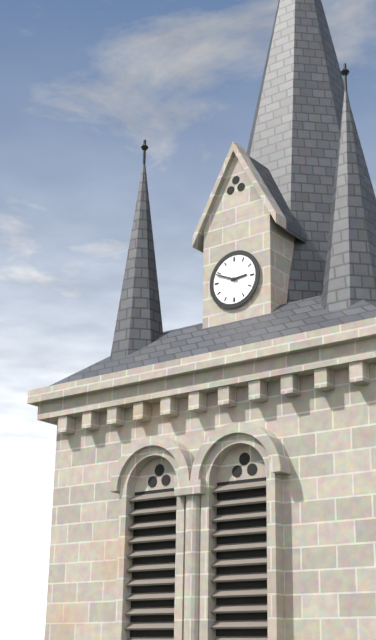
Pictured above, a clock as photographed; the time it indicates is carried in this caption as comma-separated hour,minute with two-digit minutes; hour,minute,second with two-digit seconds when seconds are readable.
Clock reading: 2,49
